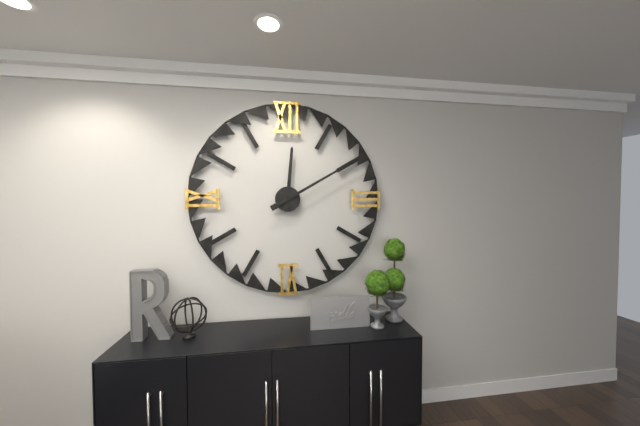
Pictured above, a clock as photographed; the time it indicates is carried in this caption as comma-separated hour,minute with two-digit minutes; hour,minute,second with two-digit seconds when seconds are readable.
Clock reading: 12,10
